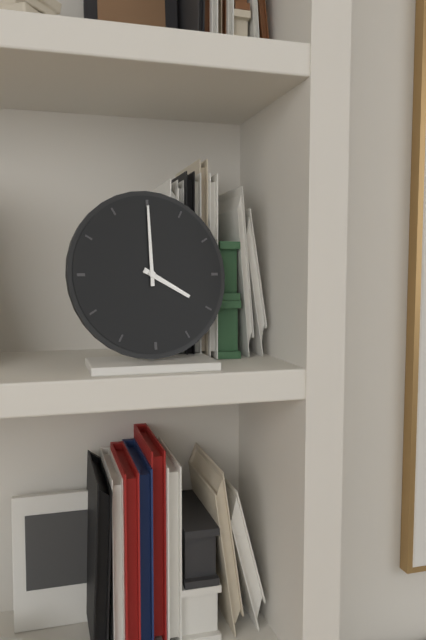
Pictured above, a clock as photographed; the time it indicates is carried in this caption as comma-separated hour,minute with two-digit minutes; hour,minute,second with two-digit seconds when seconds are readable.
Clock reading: 4,00
